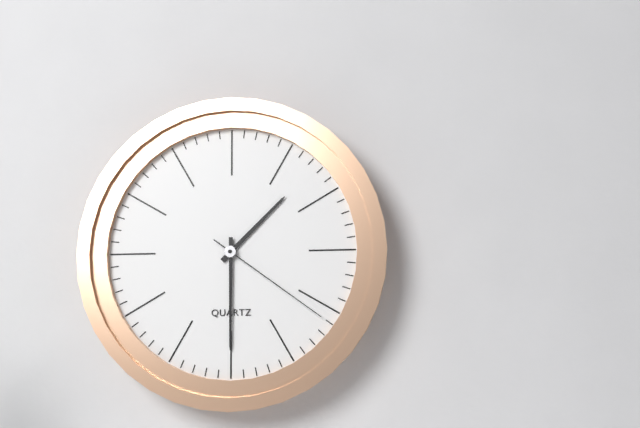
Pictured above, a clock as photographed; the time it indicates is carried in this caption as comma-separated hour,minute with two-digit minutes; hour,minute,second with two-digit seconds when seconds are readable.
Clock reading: 1,30,21
